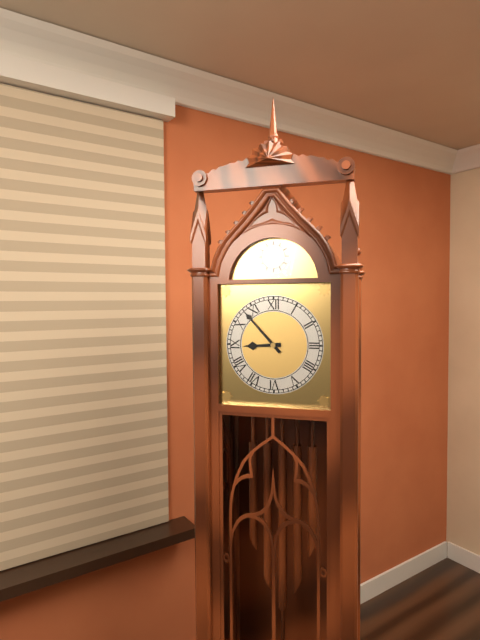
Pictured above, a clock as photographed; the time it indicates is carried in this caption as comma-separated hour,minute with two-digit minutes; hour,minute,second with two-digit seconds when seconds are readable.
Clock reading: 8,53
